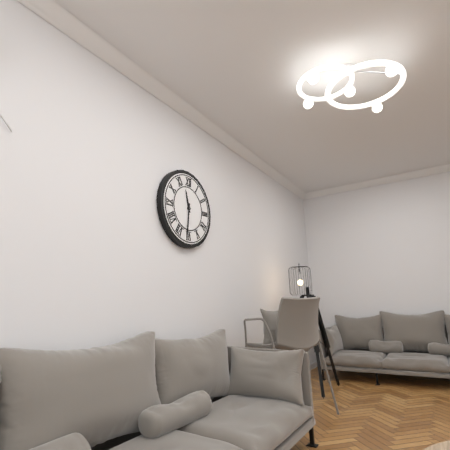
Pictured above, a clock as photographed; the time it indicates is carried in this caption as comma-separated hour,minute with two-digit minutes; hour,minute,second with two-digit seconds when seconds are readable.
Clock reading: 11,31
